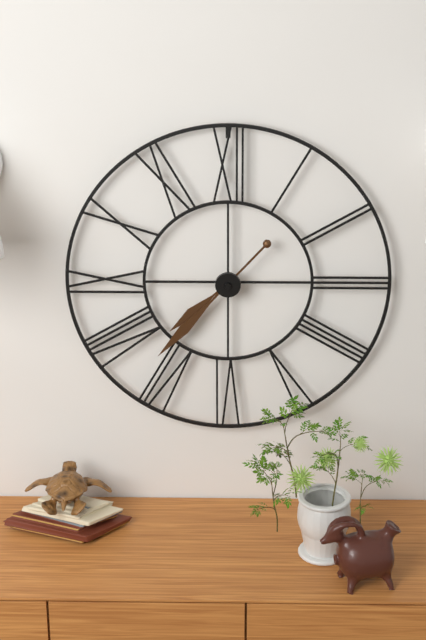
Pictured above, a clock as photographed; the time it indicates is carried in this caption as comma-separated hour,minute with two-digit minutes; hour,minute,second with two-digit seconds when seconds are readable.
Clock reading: 7,37
